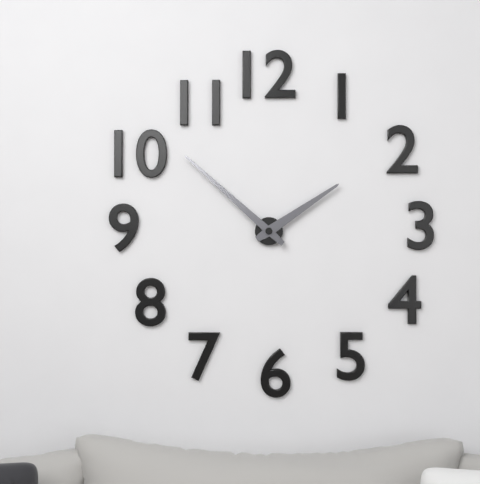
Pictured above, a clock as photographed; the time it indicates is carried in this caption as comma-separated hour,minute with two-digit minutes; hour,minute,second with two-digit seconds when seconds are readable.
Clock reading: 1,52
